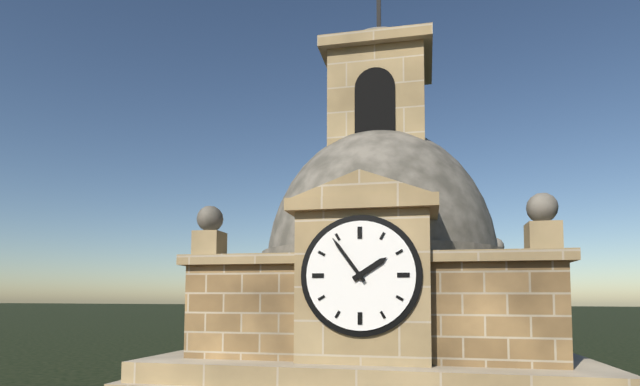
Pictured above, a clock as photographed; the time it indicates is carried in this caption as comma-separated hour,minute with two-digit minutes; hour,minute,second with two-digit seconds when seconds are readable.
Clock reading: 1,54
